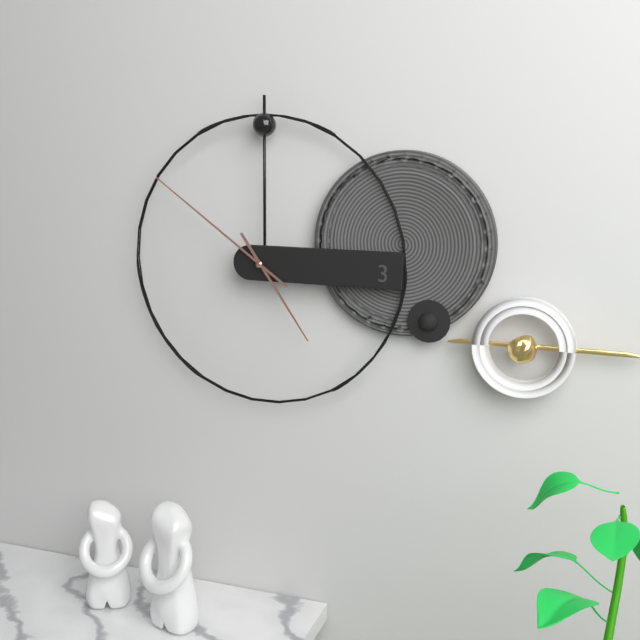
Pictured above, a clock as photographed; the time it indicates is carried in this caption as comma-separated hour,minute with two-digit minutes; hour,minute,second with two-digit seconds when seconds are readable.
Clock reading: 4,51
